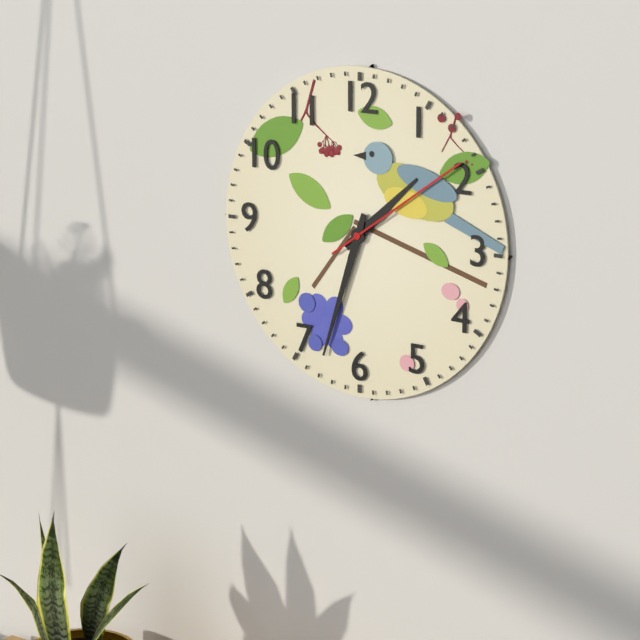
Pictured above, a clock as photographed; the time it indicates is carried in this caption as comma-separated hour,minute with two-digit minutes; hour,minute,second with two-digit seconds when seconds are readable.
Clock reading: 1,33,09
